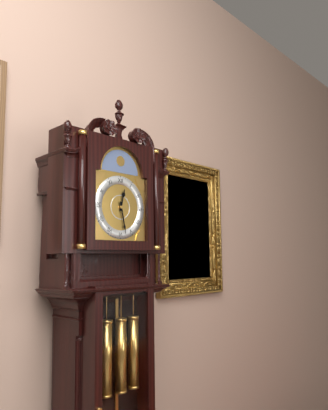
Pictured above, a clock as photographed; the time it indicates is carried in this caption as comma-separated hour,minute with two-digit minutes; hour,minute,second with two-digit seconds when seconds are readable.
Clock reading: 12,28
